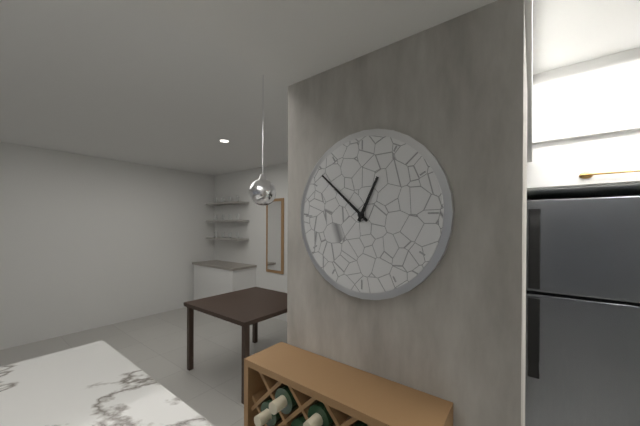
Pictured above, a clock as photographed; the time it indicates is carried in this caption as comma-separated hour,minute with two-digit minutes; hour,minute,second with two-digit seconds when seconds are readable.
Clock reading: 12,52
